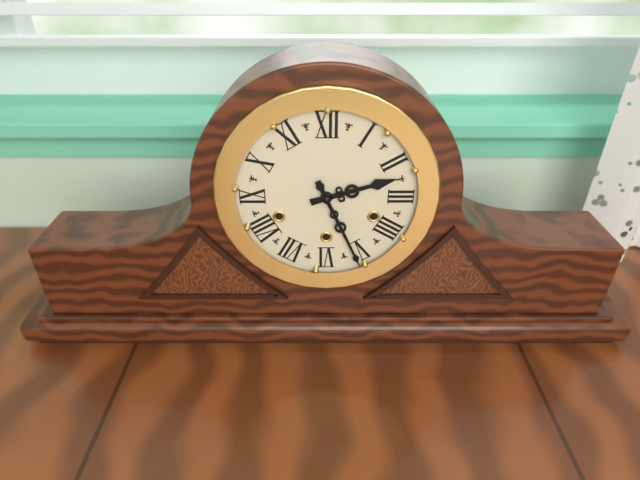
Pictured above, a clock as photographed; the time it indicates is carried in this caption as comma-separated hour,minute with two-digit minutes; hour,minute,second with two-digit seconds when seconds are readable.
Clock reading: 2,26
